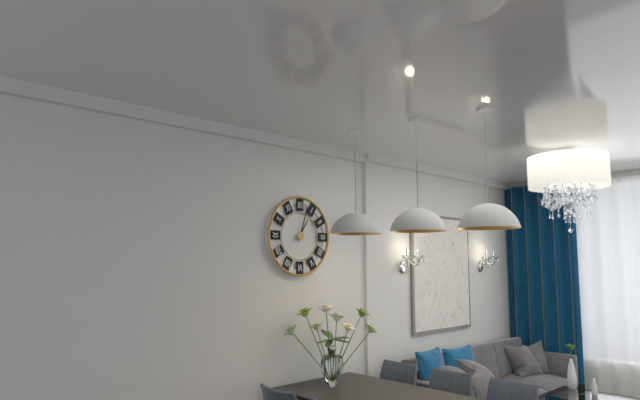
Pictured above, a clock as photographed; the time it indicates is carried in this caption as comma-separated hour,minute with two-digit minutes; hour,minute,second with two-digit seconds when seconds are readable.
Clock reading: 1,03
